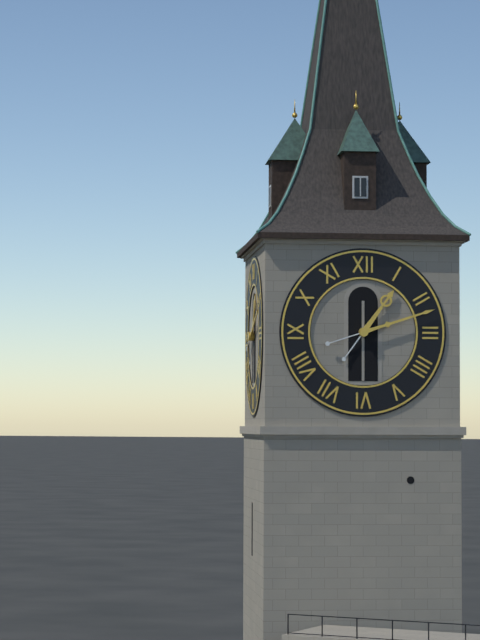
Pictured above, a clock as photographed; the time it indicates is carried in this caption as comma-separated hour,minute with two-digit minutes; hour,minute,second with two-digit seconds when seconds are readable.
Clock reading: 1,12
